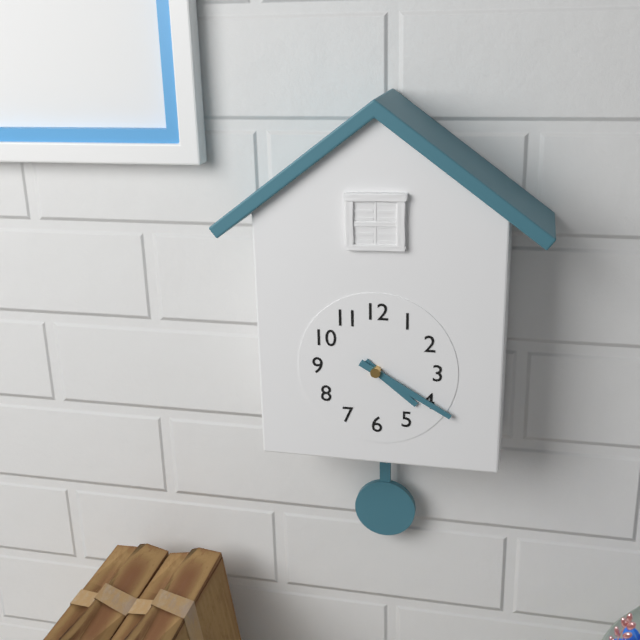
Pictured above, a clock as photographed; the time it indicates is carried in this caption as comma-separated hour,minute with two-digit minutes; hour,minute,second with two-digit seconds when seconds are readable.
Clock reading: 4,20
